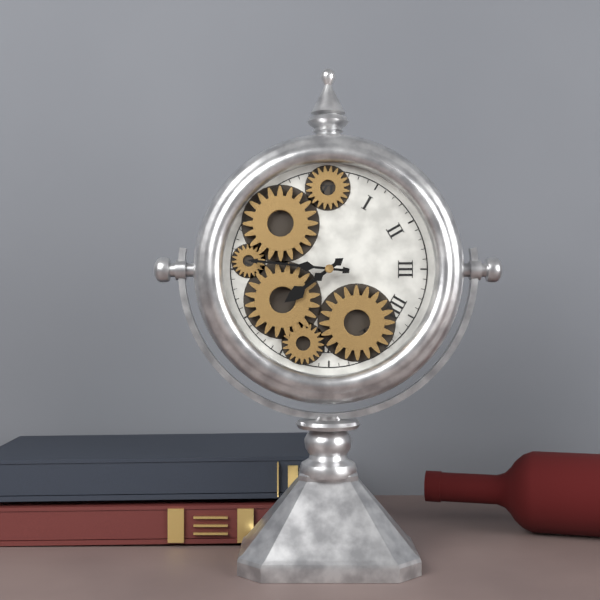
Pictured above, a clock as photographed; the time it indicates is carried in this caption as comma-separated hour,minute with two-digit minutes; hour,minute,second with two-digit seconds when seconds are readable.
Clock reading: 7,46
